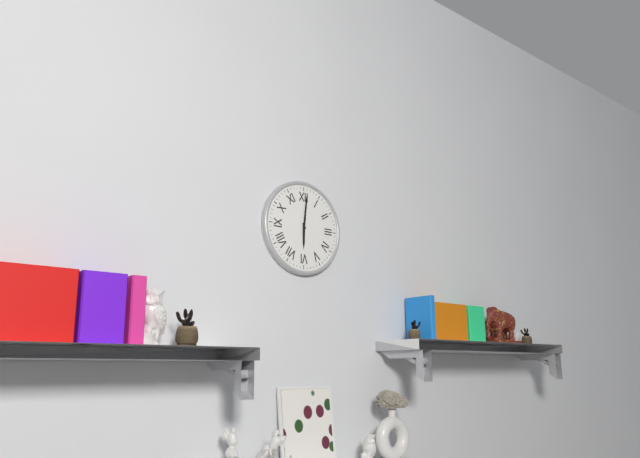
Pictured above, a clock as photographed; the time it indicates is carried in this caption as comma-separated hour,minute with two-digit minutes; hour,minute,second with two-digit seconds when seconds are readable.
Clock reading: 6,01
